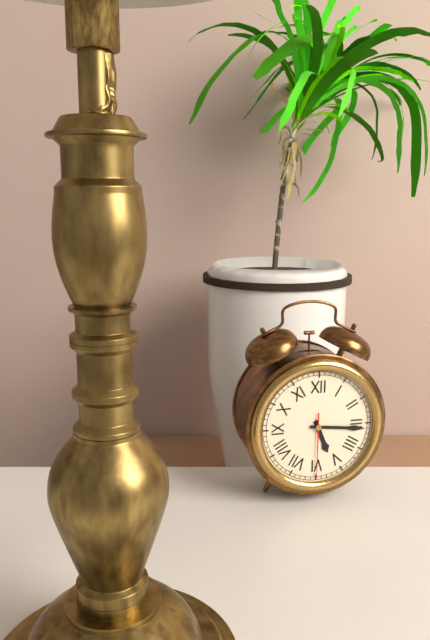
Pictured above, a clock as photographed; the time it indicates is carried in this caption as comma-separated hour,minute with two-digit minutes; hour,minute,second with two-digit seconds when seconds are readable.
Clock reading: 5,16,30
